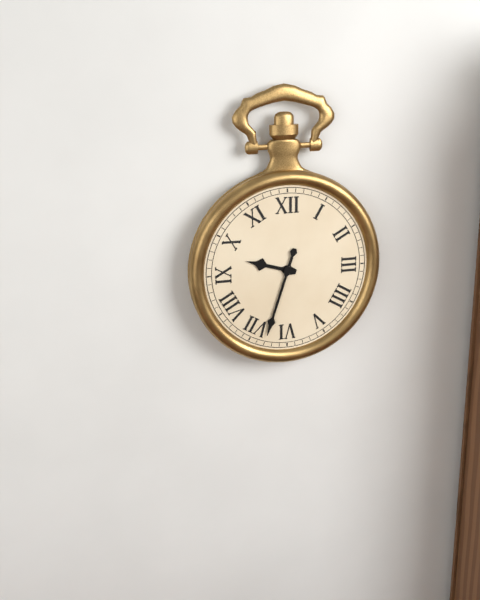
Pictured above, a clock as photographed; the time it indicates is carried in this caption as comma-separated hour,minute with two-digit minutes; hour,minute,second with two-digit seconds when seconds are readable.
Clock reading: 9,33
